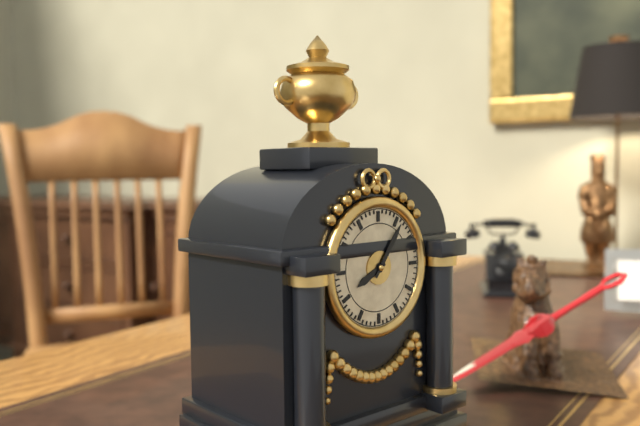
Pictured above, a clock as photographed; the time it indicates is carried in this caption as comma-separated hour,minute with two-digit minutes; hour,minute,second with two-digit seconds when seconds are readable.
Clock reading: 8,06
